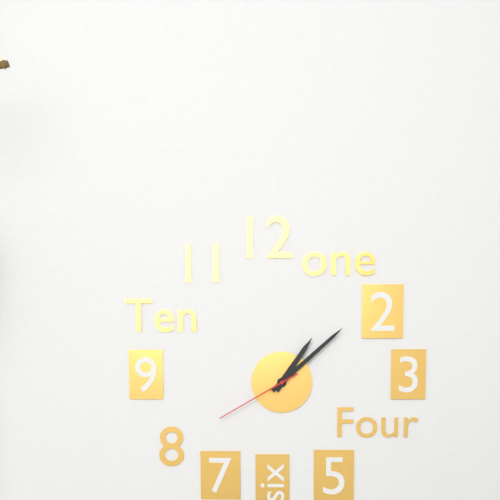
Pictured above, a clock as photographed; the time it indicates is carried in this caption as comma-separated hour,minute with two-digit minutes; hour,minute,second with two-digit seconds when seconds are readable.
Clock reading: 1,08,40
